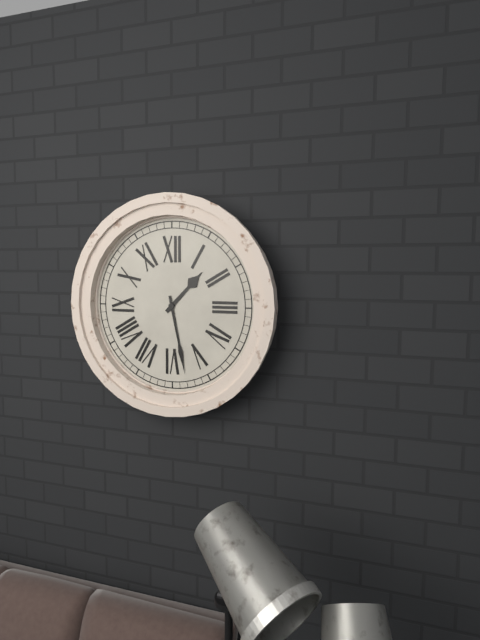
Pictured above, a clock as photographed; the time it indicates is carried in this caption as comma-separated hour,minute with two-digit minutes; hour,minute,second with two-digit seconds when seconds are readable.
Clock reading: 1,28
